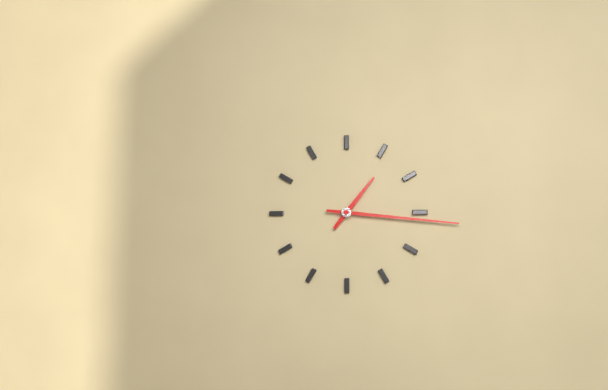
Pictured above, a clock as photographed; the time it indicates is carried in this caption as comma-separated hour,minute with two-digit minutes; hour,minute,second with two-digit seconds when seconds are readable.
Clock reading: 1,16
